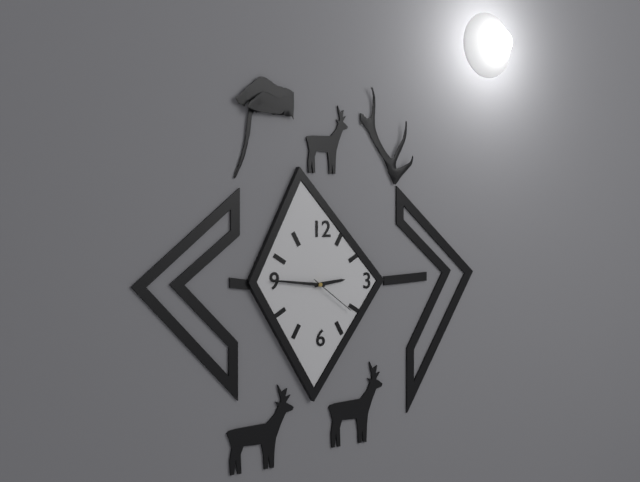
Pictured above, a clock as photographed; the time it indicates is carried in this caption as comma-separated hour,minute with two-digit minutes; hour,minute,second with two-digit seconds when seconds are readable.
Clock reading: 2,46,21
